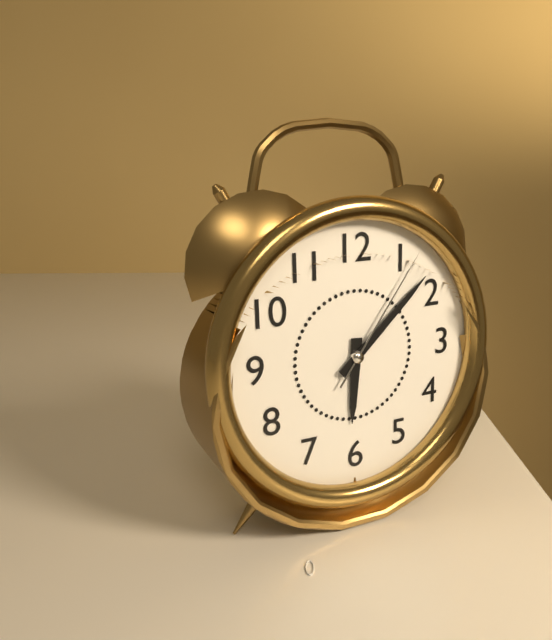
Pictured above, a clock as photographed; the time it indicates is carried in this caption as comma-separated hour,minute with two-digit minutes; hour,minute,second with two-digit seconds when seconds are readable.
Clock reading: 6,08,06
